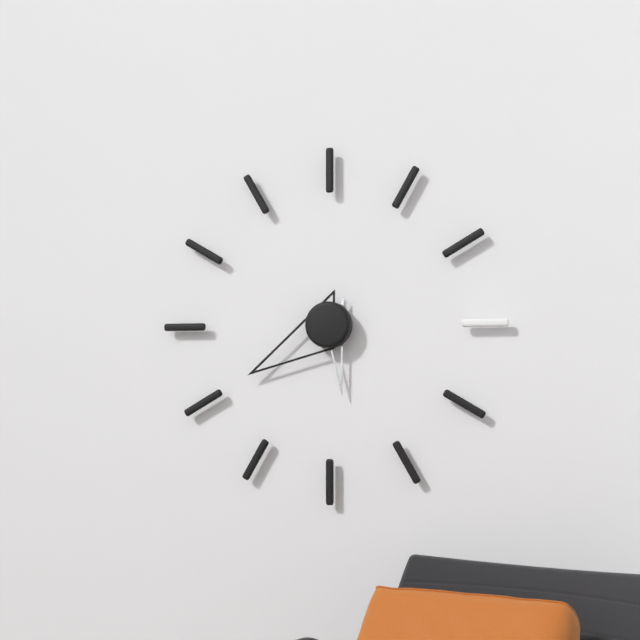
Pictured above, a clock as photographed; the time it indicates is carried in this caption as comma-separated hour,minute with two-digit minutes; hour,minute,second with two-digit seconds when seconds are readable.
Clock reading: 5,40
